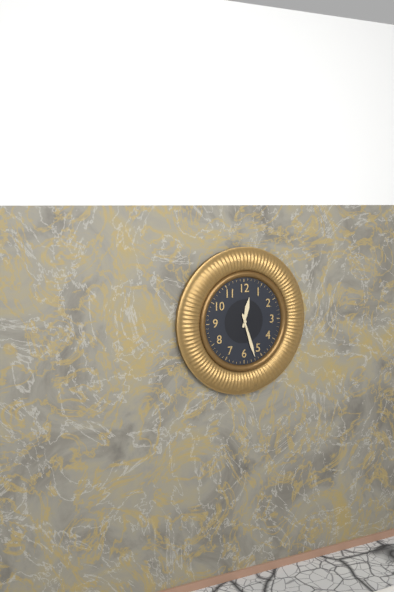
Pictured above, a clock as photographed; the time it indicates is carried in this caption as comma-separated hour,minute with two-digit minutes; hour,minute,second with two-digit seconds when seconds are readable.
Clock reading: 12,27
